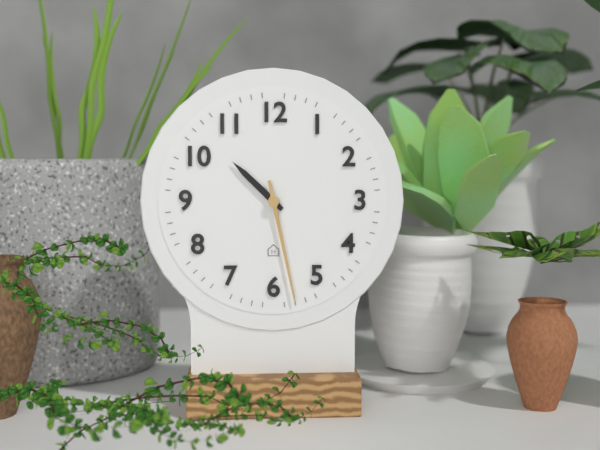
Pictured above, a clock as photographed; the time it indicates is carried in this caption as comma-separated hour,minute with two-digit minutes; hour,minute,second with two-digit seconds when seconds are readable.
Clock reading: 10,28
